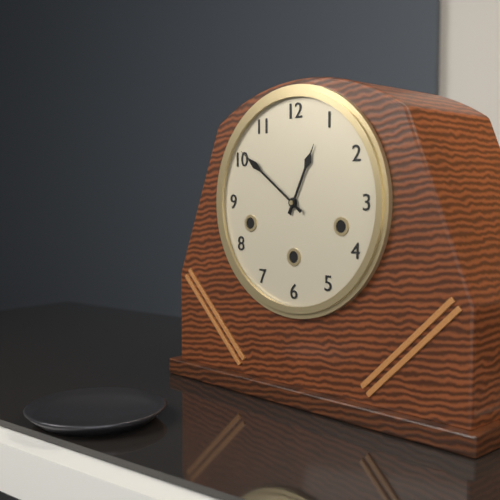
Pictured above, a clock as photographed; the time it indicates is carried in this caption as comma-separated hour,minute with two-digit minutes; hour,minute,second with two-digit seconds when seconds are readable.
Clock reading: 12,51
